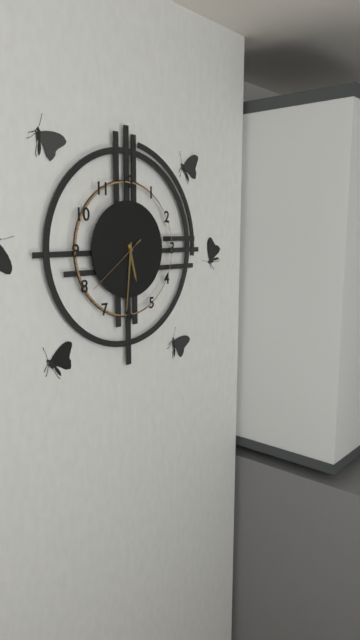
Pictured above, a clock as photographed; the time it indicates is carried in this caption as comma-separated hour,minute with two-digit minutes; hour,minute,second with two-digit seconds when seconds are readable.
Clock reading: 5,31,39
